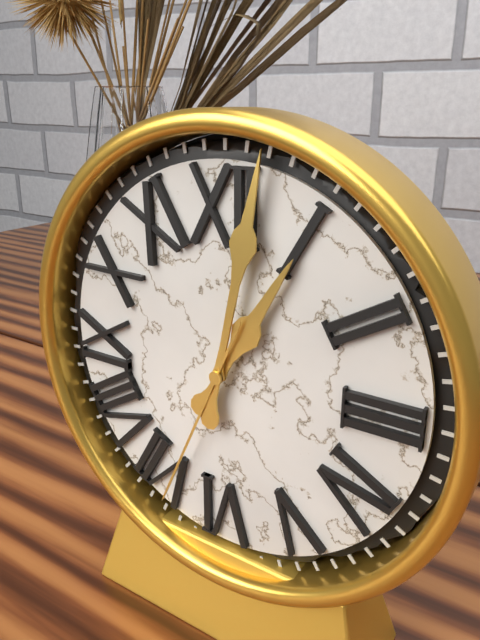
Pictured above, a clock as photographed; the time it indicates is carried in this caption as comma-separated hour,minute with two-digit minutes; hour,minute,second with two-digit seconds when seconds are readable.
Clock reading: 1,02,34
